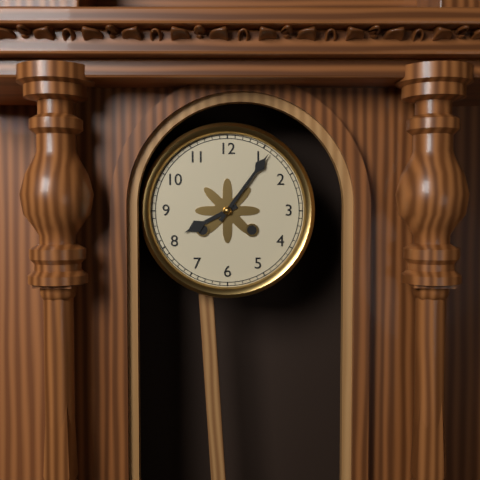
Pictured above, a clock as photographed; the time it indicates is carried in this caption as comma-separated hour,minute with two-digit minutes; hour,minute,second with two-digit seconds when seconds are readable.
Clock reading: 8,06
